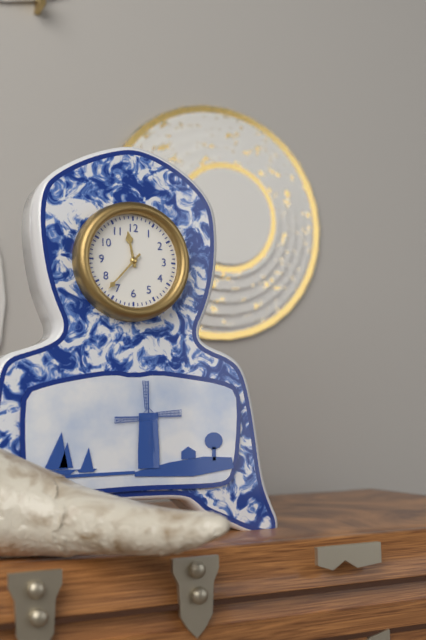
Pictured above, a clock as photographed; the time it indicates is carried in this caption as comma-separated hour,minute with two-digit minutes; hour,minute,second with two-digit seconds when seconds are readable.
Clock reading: 11,37
